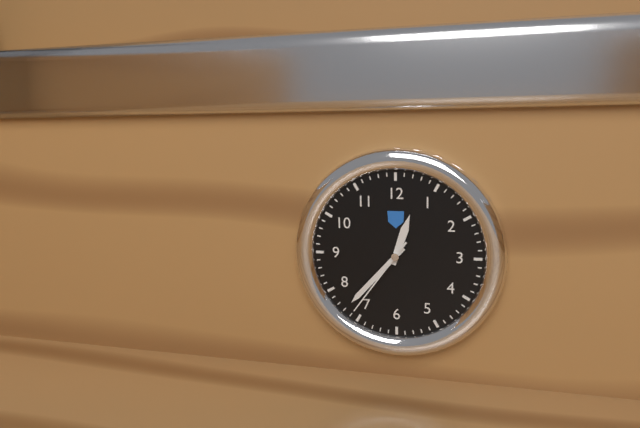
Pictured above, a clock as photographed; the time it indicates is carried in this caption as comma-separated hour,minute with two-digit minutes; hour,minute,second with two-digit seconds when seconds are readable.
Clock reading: 12,37,36
